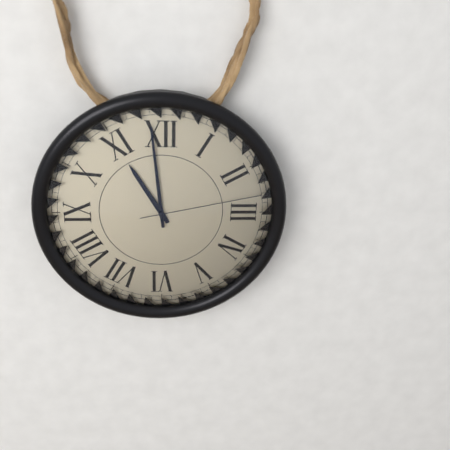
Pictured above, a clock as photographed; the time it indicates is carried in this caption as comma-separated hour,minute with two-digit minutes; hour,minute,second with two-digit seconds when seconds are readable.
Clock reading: 10,59,13
